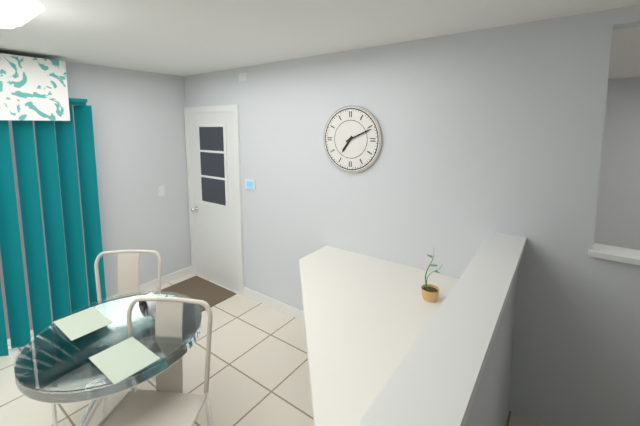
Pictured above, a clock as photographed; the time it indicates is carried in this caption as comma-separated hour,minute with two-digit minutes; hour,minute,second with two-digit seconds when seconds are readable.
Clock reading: 7,11
